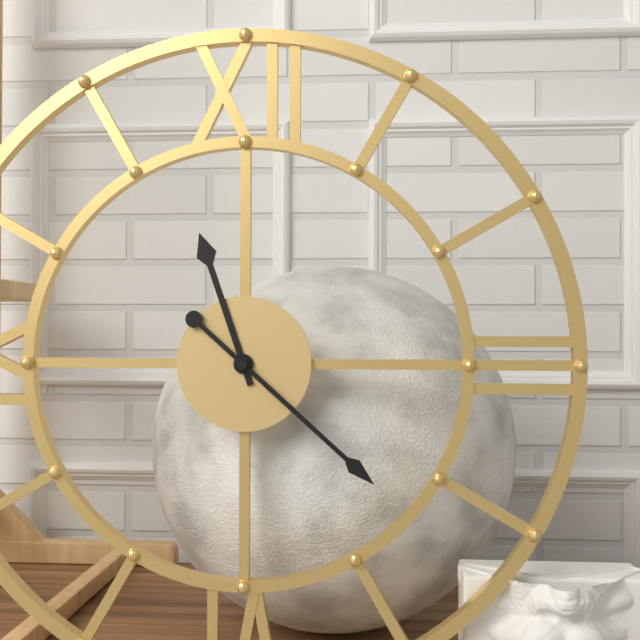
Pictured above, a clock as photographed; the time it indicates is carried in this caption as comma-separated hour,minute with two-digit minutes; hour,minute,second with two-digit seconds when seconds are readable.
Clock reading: 11,22
